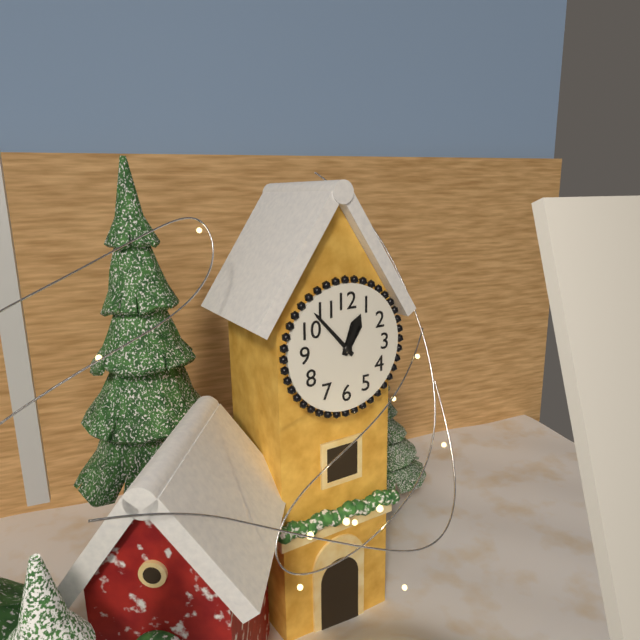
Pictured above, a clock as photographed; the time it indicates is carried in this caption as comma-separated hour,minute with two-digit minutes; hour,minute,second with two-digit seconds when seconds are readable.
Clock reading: 12,53
